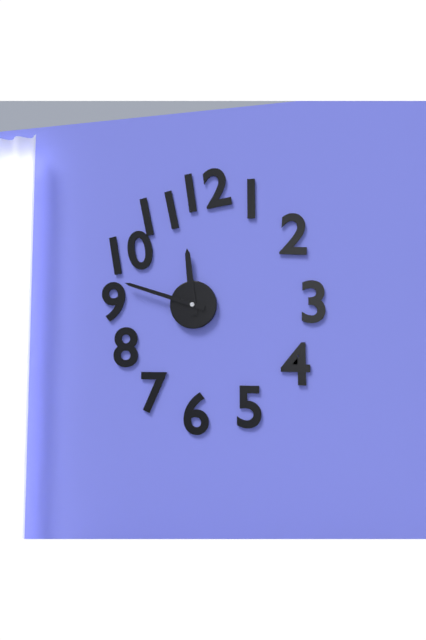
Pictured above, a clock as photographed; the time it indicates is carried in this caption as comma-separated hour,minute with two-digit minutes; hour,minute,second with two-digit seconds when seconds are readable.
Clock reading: 11,48
